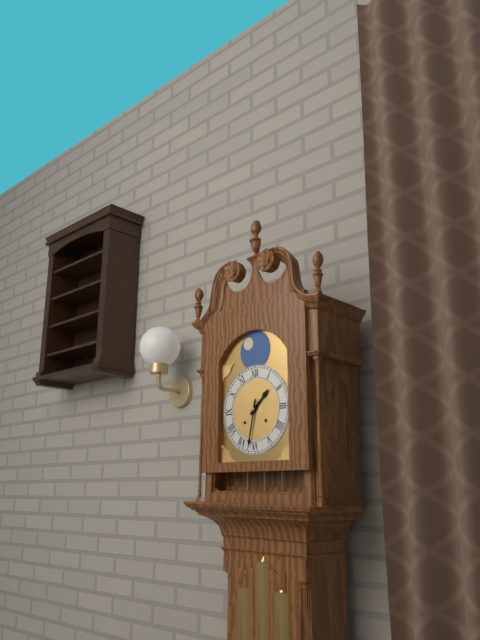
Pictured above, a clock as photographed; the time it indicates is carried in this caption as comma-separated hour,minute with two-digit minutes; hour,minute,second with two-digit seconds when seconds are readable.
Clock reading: 1,32
